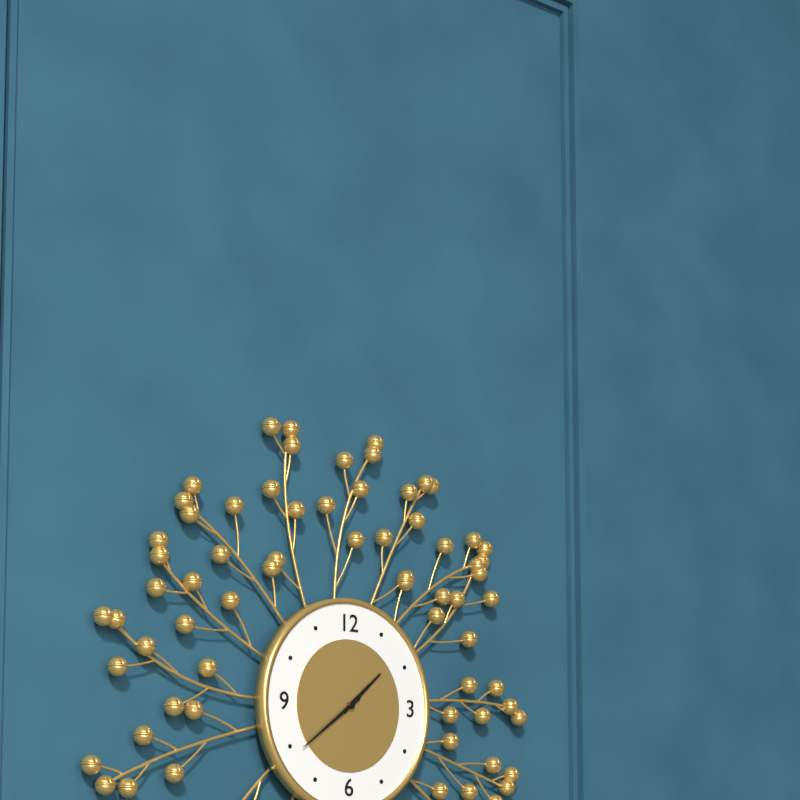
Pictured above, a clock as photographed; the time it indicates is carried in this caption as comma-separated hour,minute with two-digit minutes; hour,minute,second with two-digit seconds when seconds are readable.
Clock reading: 1,39
